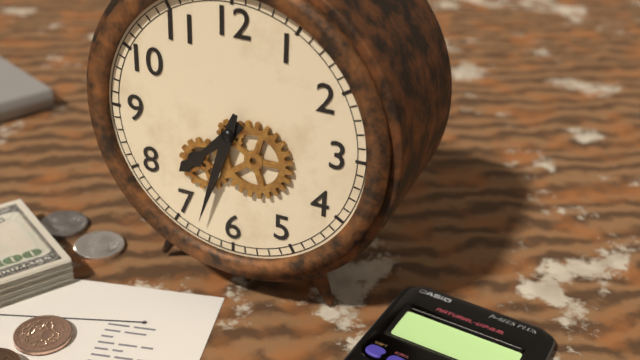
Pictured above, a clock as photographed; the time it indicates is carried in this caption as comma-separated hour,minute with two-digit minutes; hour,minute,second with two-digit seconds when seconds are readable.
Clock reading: 7,33
